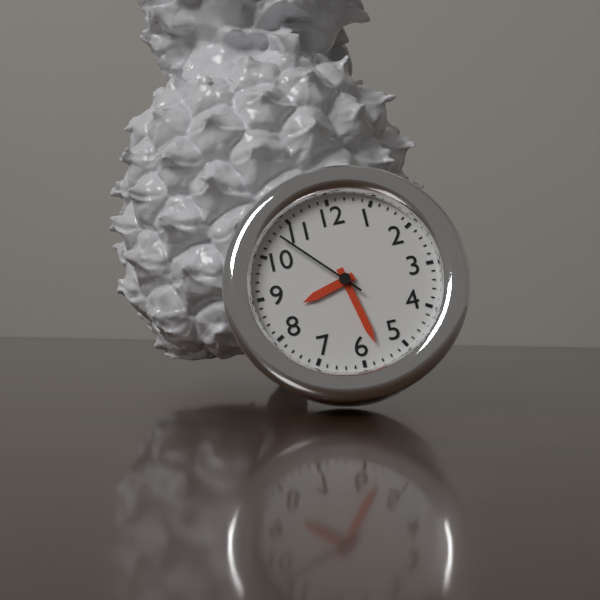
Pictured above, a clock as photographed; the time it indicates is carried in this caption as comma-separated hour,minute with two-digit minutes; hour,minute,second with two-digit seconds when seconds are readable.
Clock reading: 8,28,53
